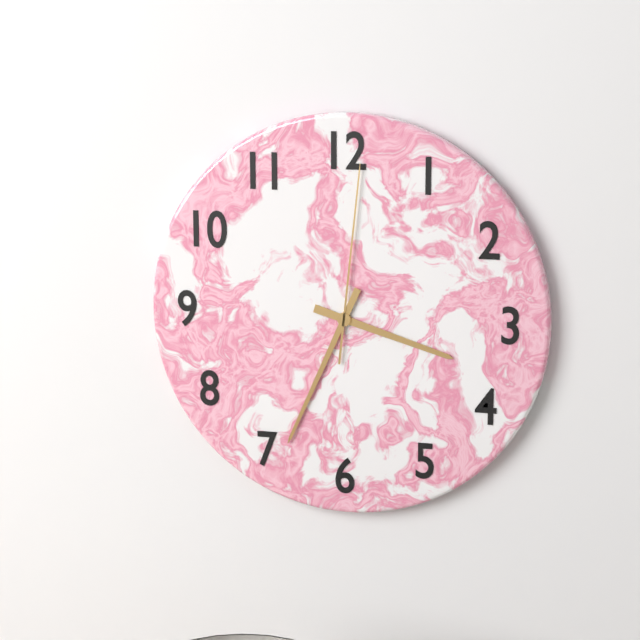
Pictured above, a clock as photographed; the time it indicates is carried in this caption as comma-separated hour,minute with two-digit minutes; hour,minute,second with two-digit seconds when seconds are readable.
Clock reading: 3,34,01
